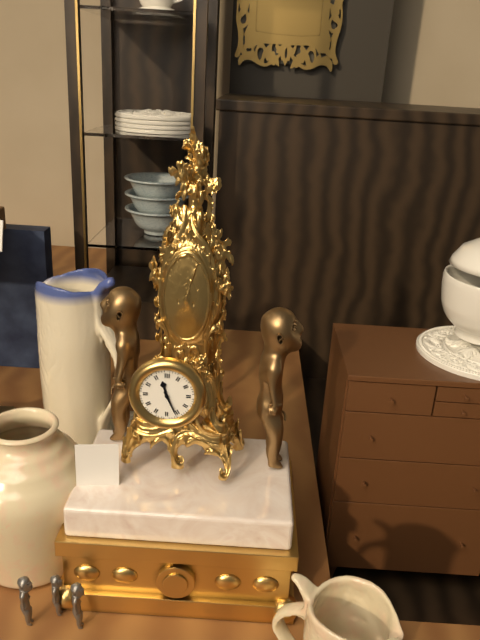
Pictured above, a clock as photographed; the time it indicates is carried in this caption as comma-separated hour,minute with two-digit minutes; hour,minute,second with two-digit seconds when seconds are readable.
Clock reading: 11,26
